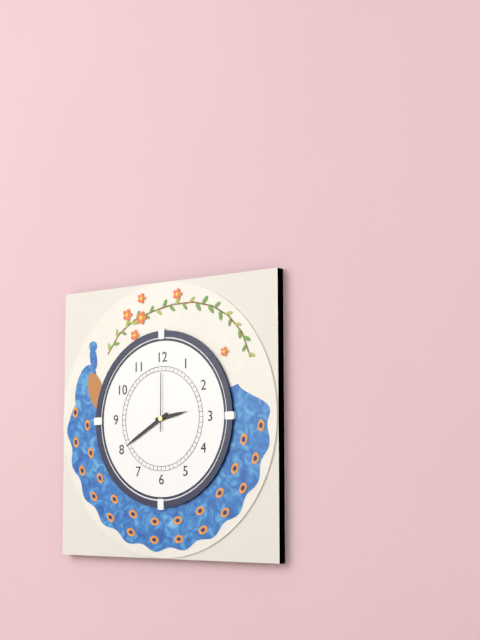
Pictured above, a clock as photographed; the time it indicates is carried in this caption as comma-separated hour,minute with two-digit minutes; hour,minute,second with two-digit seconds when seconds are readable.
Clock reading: 2,40,00
